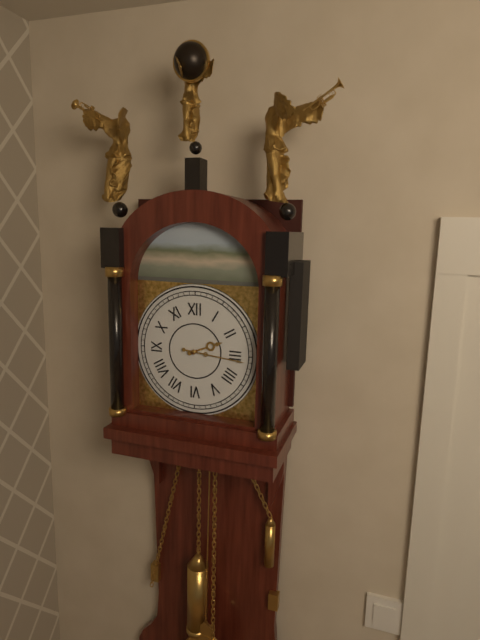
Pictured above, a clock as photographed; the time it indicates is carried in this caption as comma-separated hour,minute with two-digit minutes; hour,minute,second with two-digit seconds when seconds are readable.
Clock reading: 2,16
